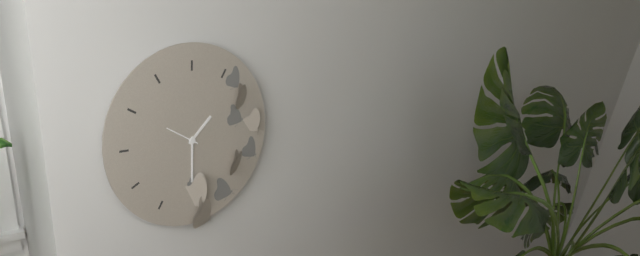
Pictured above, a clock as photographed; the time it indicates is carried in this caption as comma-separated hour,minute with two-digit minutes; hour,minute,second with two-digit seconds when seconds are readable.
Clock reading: 1,30
